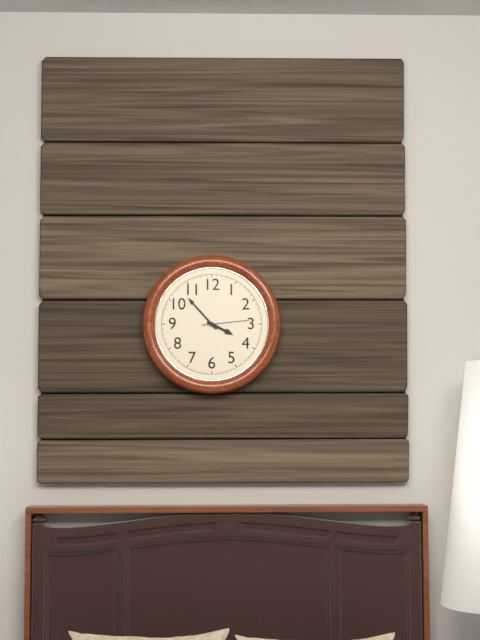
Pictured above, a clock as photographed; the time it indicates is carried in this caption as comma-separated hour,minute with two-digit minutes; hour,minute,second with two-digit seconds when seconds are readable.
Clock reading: 3,53
